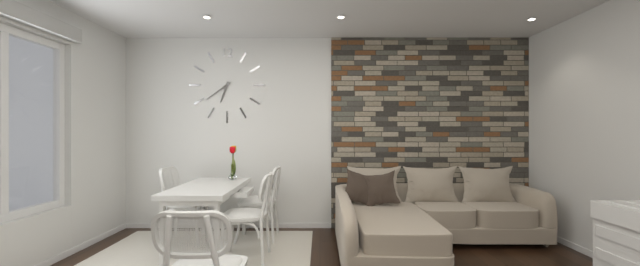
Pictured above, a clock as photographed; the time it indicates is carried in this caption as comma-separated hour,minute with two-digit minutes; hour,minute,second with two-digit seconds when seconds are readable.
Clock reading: 6,39
